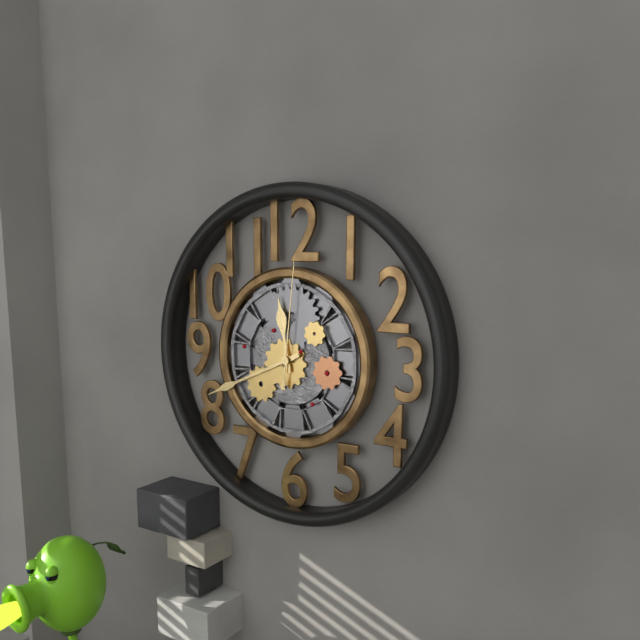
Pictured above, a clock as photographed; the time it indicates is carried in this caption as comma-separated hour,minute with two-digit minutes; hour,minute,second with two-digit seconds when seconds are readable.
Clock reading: 11,41,01
